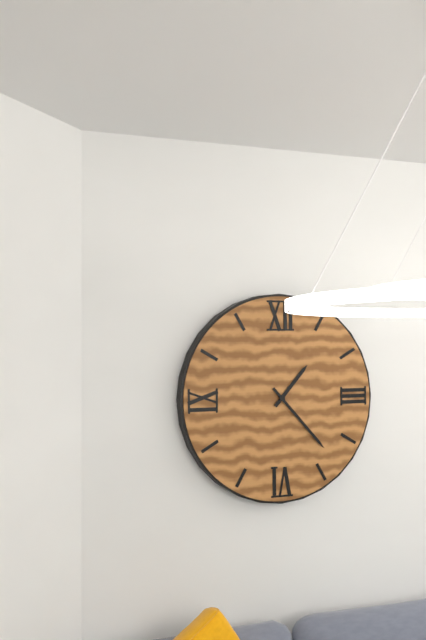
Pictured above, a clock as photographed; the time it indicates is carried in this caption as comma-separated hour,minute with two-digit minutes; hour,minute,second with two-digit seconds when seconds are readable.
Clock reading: 1,23
